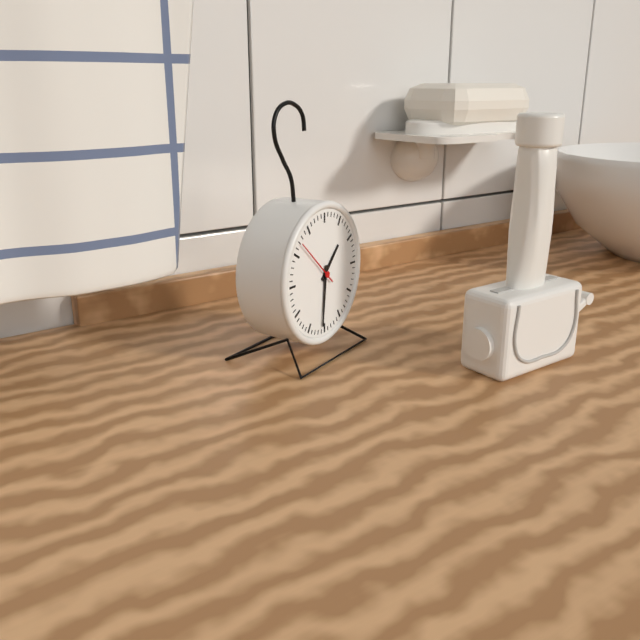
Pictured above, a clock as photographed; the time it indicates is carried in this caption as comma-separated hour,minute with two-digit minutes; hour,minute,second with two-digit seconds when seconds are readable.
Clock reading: 1,31
